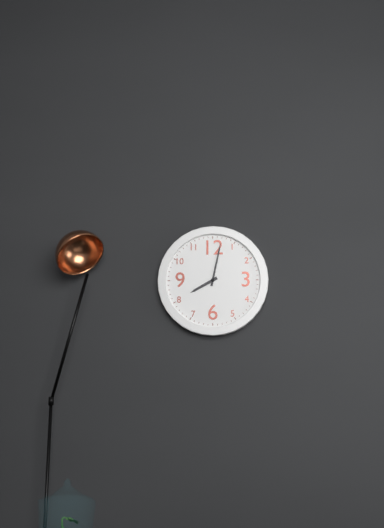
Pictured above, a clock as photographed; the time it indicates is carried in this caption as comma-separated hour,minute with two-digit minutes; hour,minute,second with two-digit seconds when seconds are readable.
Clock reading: 8,02
